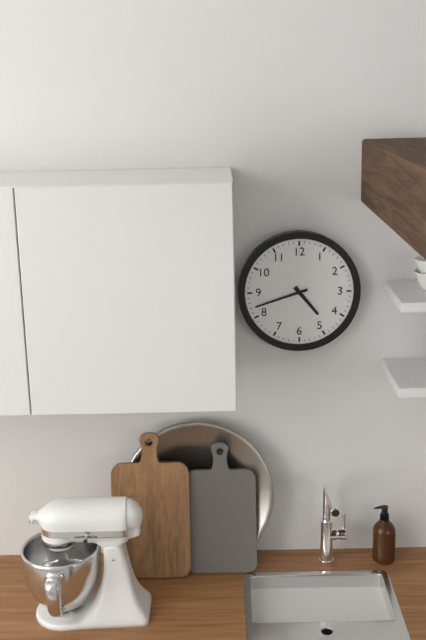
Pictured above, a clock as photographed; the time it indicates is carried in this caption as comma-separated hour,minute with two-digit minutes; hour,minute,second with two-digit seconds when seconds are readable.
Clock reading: 4,42
